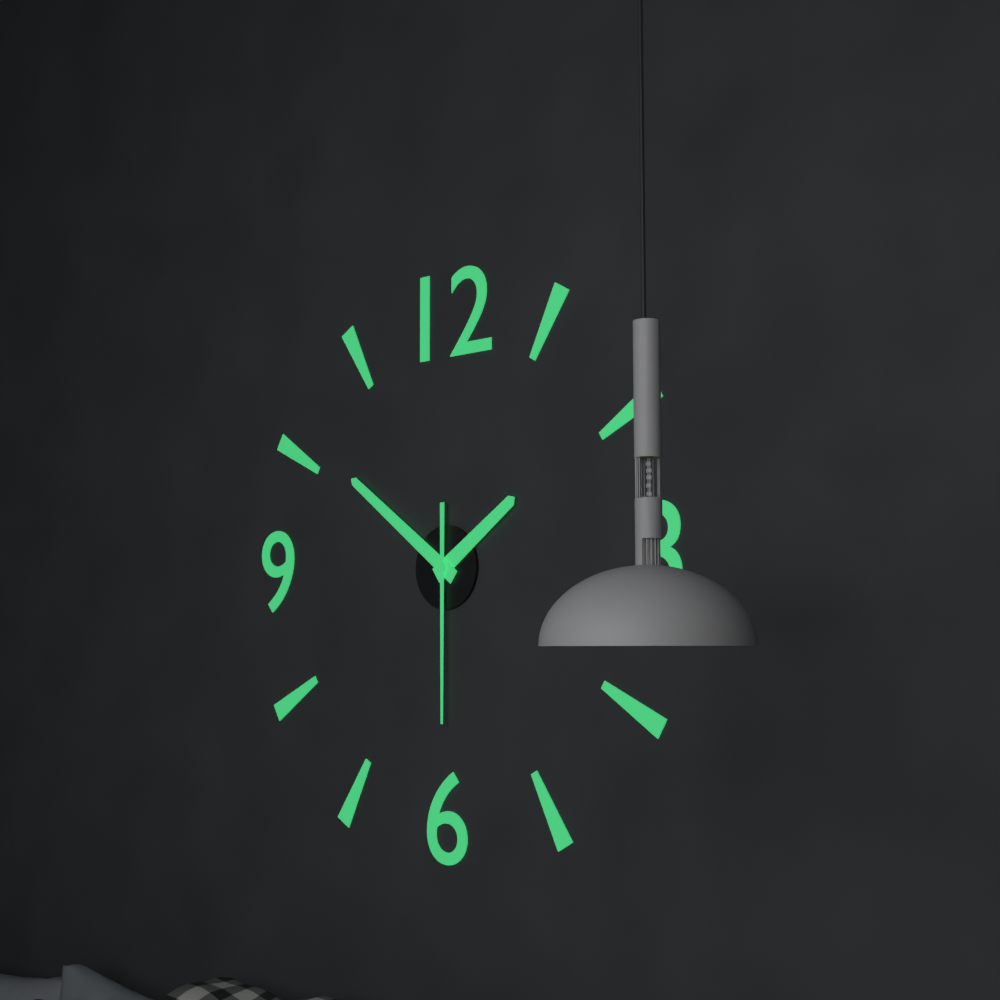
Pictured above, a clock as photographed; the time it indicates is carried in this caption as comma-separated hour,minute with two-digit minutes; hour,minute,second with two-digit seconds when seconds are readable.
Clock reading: 1,51,30
